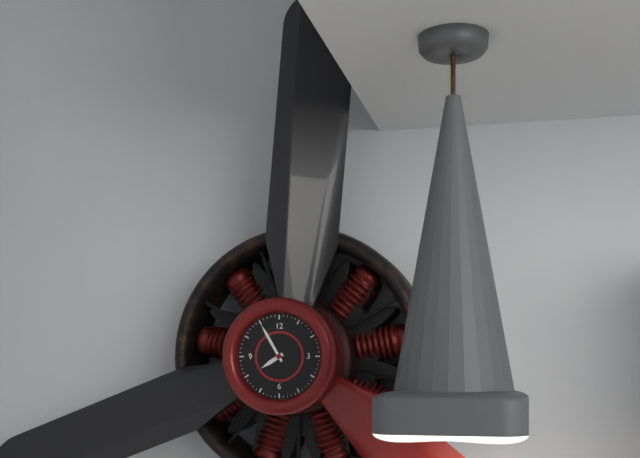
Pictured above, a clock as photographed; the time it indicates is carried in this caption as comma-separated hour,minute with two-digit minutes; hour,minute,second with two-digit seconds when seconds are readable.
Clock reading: 7,55
